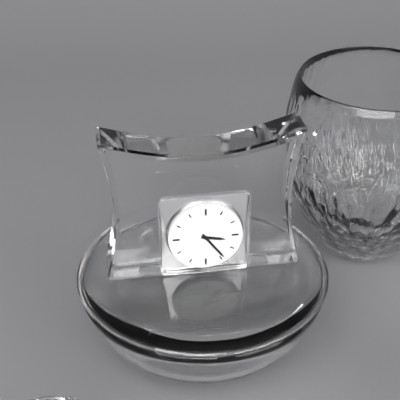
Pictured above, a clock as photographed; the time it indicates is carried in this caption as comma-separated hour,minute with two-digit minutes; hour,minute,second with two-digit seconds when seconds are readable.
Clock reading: 3,24
